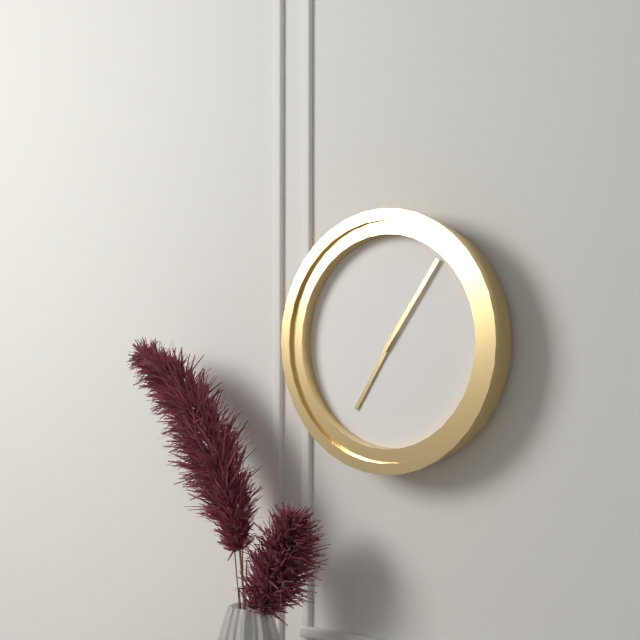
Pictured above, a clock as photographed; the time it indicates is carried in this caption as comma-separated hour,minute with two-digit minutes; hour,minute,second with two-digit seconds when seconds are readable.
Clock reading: 7,06
